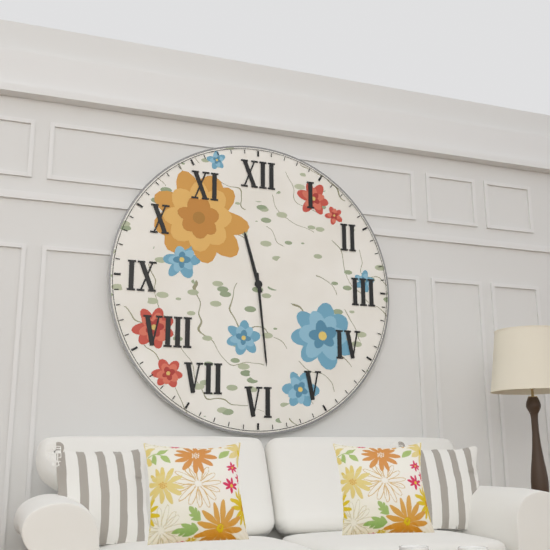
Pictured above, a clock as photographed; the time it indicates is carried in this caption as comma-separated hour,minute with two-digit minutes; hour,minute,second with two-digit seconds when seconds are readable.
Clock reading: 11,29
